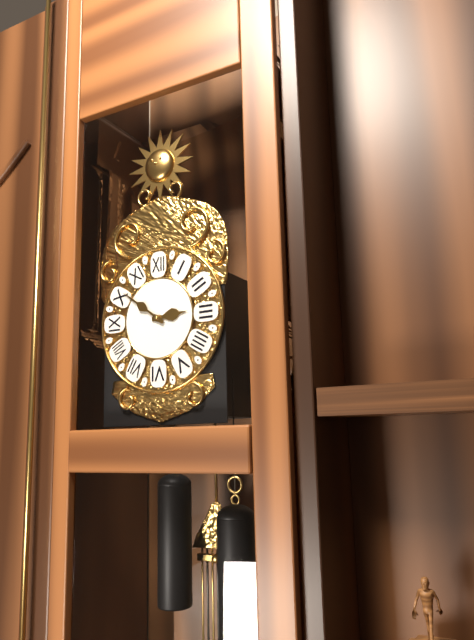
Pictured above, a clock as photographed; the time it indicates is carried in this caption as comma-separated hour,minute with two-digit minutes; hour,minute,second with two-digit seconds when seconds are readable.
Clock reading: 2,51
